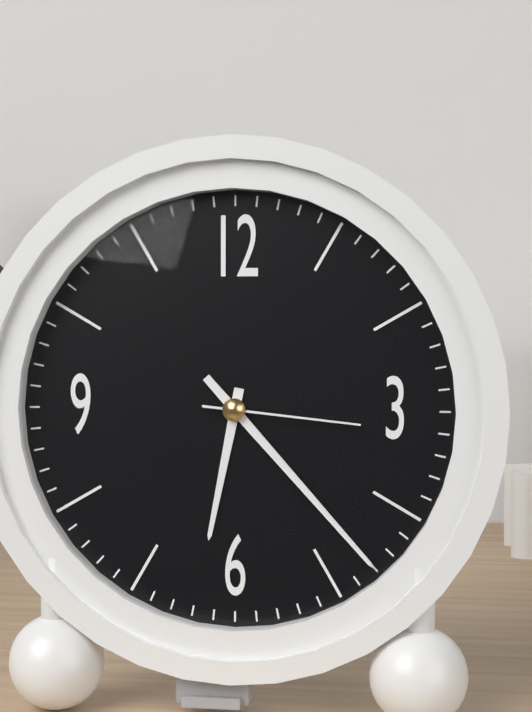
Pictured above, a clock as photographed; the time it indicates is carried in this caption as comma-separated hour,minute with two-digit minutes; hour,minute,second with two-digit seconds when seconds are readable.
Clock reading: 6,23,16
